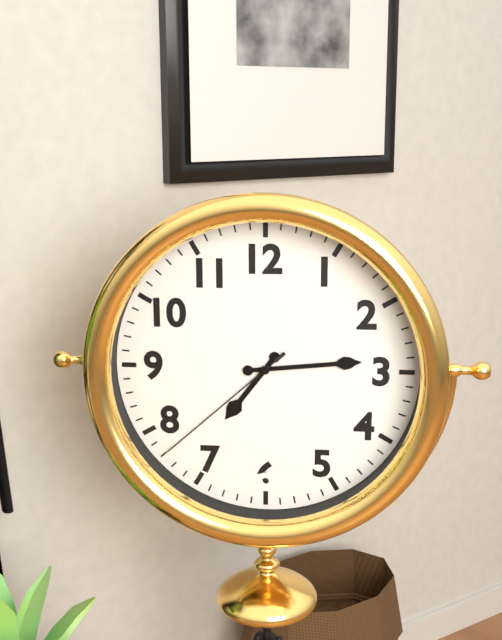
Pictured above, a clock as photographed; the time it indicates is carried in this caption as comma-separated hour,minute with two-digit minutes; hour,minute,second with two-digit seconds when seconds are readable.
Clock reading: 7,14,38
